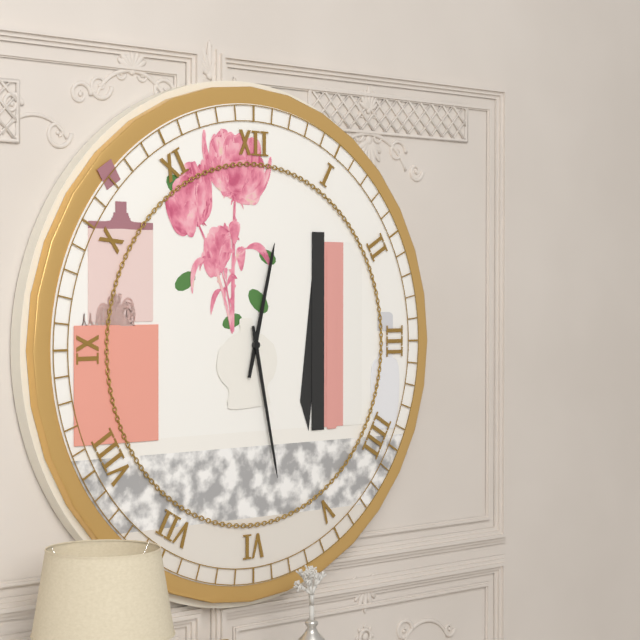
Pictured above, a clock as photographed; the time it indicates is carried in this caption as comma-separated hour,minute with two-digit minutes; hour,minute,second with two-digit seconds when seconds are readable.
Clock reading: 12,28
